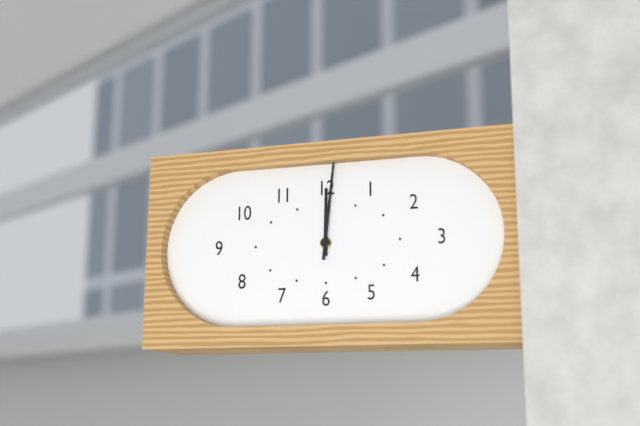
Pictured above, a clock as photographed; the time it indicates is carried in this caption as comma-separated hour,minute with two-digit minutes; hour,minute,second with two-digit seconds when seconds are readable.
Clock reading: 12,01
